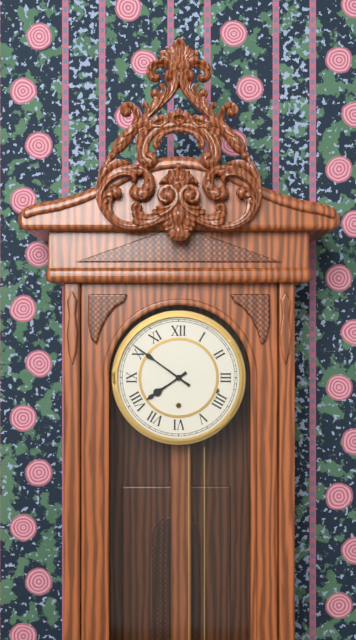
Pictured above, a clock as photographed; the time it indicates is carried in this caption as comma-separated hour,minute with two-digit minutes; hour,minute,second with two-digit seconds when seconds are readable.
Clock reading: 7,51
